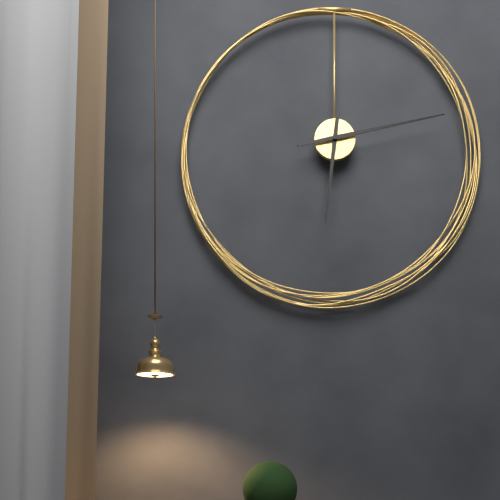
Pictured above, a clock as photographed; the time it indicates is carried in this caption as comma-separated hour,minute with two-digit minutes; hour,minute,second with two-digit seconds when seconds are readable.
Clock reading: 6,13
